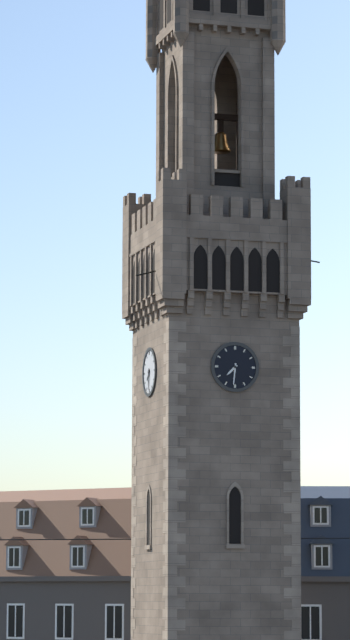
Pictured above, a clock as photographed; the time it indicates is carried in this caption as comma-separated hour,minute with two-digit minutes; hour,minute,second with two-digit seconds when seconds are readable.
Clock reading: 7,31
